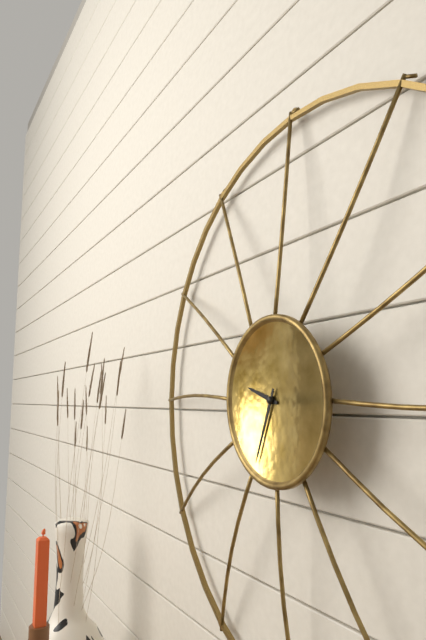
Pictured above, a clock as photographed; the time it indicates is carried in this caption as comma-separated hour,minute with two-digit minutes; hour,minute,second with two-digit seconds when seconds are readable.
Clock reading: 9,34
